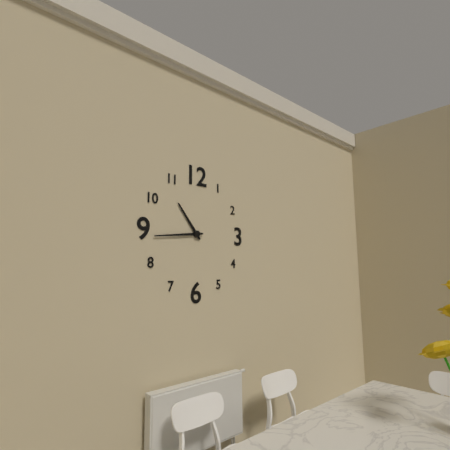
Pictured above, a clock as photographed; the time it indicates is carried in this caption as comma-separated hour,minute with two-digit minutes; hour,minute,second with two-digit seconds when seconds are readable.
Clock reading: 10,44
